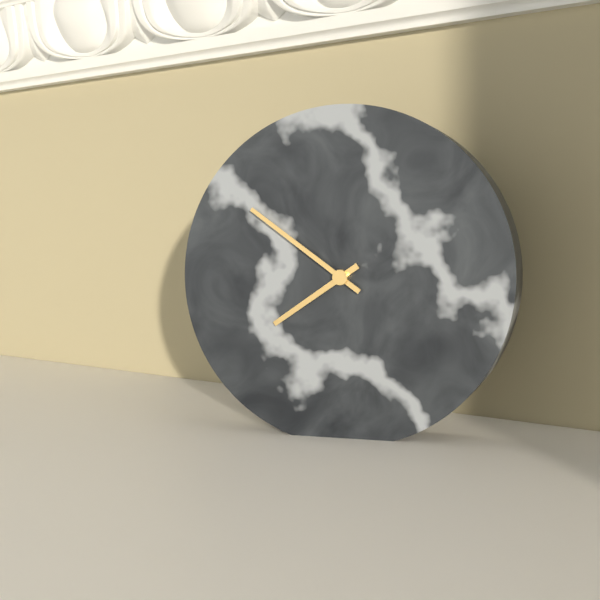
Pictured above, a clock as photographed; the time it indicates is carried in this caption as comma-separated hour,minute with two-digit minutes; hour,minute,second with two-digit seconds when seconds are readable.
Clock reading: 7,51
